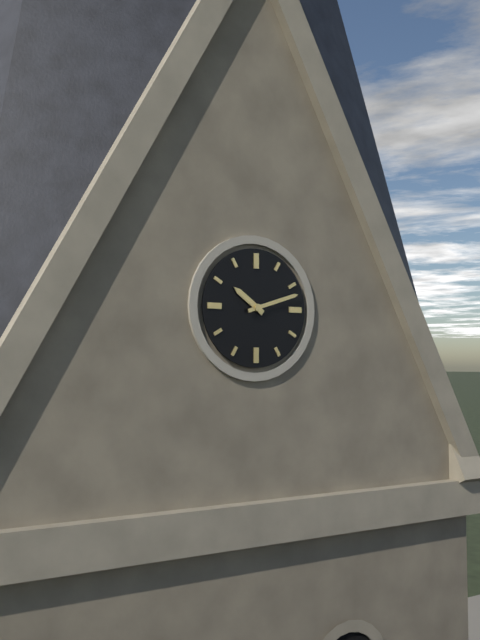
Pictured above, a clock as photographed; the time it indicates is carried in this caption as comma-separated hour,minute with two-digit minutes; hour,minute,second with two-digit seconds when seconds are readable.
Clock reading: 10,12
